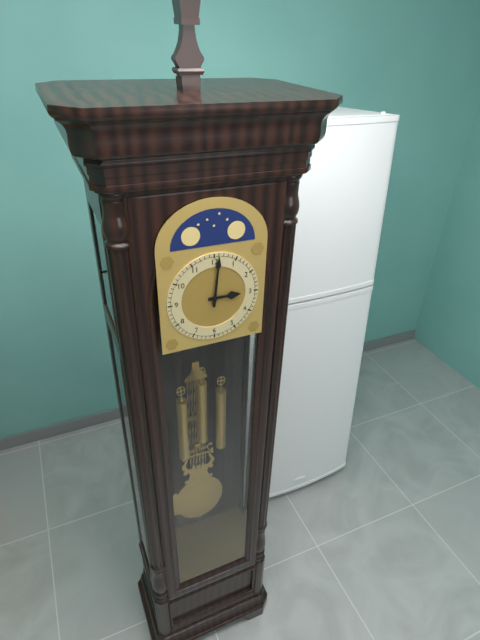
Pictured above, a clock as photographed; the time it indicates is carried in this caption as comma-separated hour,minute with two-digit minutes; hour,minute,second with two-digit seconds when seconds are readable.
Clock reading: 3,01
